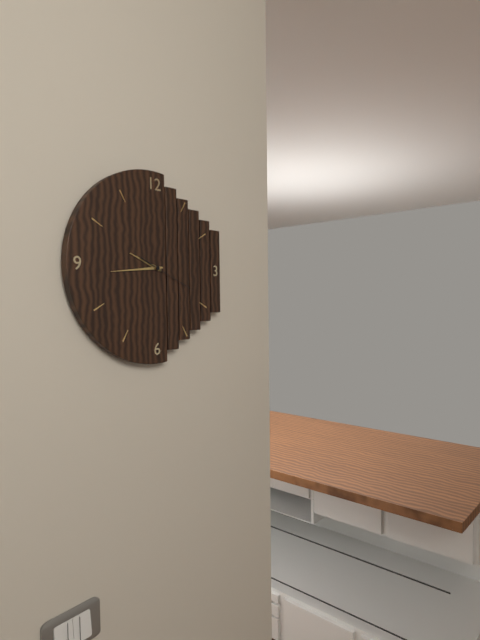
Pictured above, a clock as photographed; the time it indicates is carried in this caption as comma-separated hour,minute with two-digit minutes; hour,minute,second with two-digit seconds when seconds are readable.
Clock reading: 9,44,19
